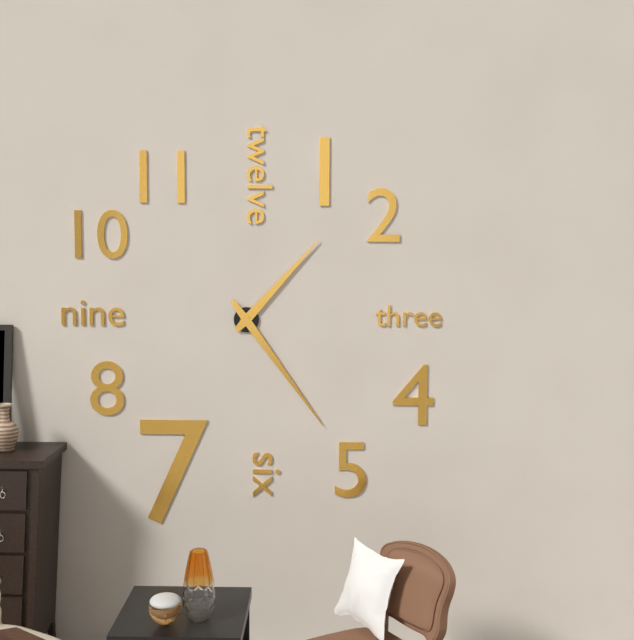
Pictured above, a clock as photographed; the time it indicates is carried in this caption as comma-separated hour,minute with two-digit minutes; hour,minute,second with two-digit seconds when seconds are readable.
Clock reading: 1,24
